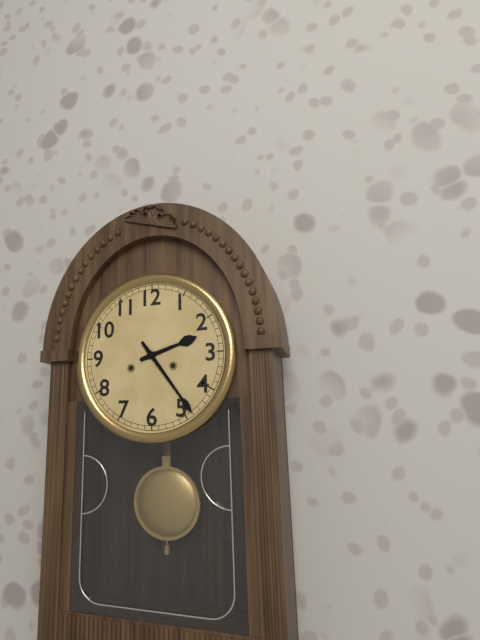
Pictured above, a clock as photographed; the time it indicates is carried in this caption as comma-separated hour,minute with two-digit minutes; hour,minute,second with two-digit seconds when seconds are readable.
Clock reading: 2,24
